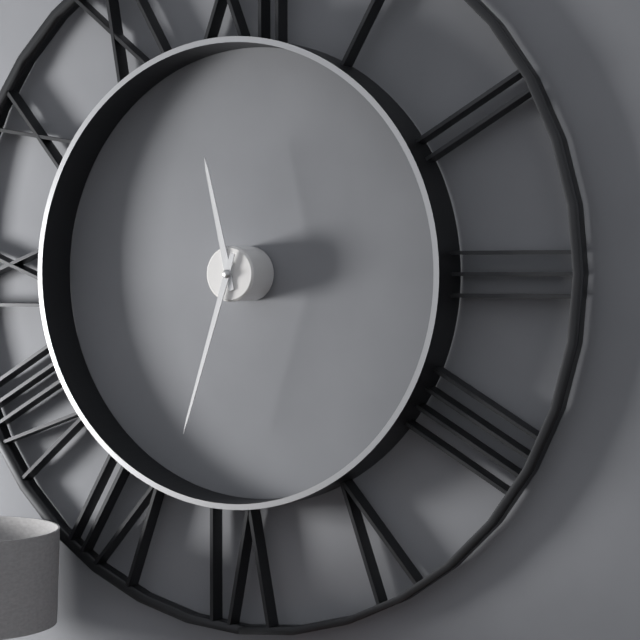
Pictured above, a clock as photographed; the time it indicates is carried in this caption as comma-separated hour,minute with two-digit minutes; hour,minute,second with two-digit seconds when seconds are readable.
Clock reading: 11,33
